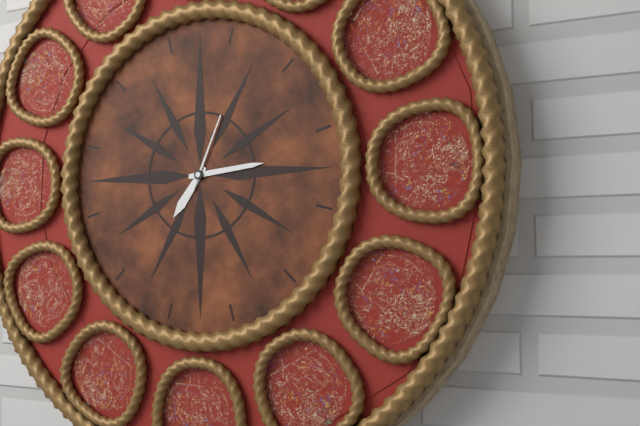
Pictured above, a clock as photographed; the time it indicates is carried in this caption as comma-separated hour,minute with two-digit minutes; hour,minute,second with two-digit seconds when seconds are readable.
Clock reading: 7,14,04
